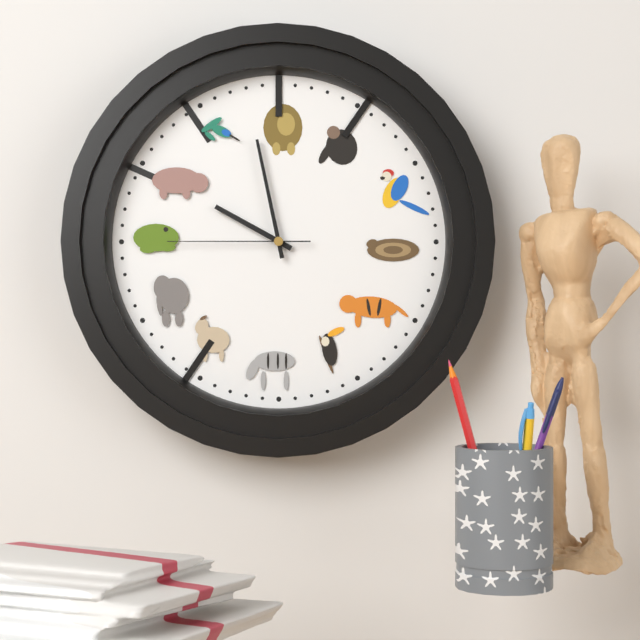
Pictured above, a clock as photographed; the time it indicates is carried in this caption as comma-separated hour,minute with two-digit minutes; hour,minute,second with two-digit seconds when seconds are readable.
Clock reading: 9,58,45
